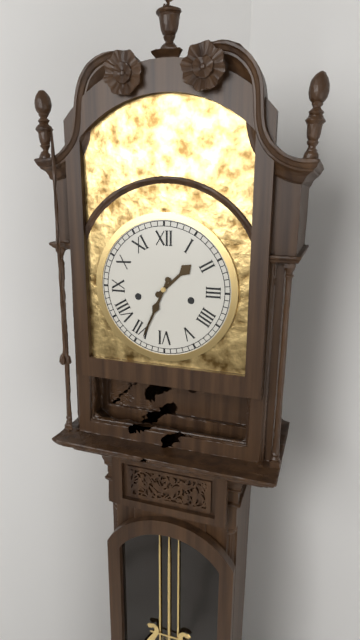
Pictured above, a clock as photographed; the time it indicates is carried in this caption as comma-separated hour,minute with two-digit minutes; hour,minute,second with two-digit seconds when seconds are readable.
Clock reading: 1,34
